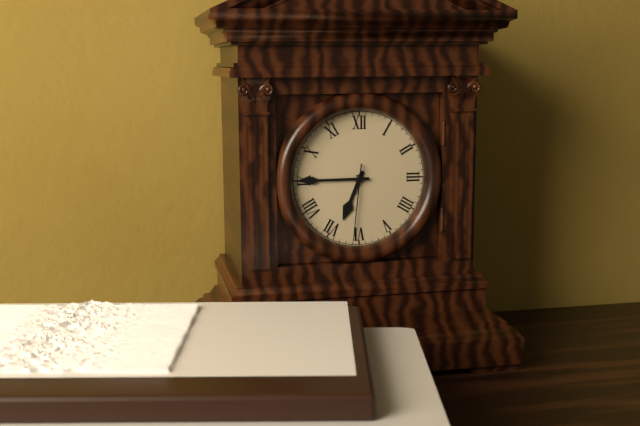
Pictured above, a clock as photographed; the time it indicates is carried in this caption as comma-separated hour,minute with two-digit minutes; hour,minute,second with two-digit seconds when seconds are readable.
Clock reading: 6,45,31
